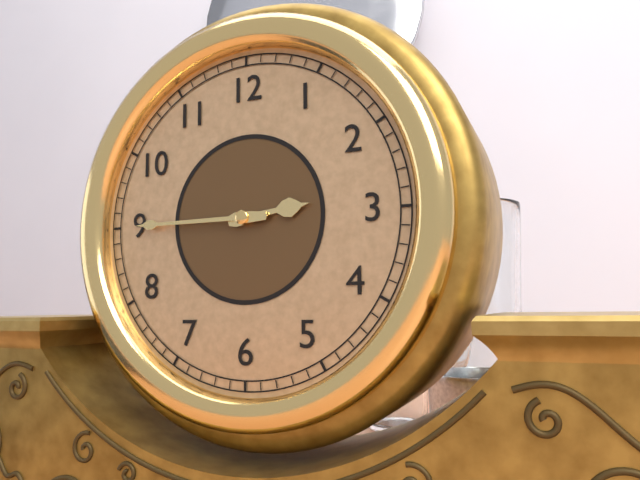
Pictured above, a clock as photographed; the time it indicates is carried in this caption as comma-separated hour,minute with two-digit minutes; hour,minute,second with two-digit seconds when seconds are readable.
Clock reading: 2,45
